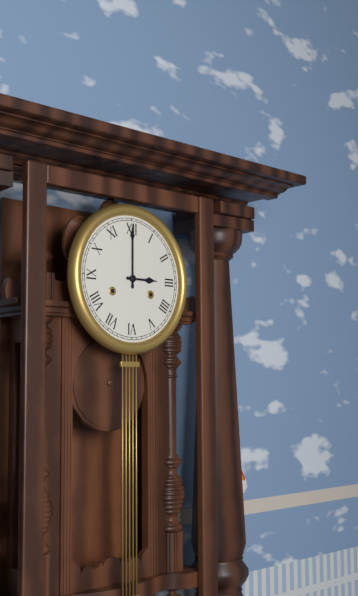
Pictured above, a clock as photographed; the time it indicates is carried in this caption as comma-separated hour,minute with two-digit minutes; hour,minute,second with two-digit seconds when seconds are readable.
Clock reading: 3,00
